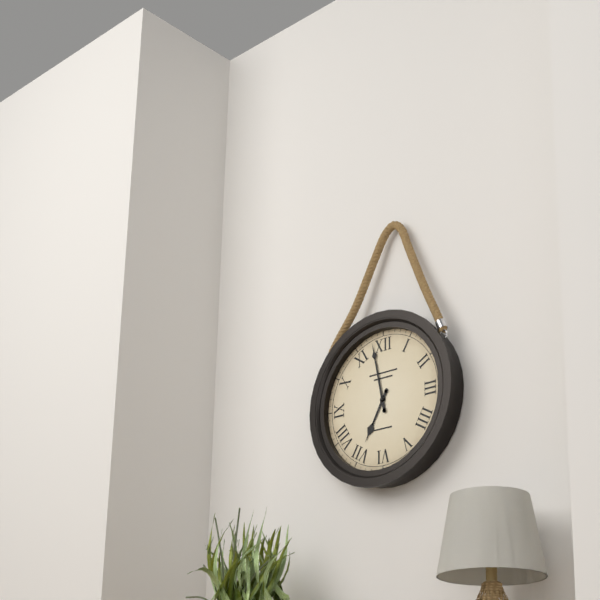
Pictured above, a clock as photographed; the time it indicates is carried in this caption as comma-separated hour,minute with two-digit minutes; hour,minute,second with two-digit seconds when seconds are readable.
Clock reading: 6,58
